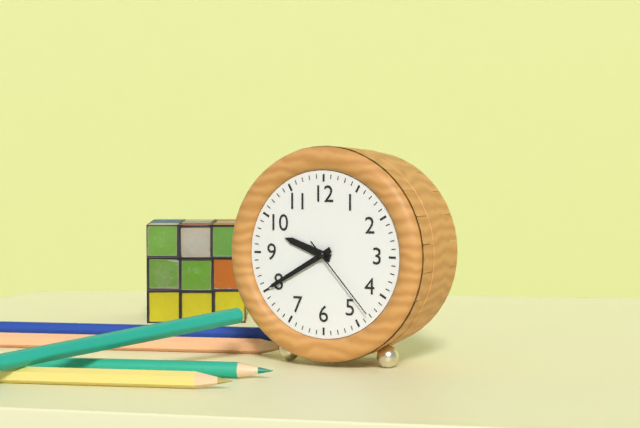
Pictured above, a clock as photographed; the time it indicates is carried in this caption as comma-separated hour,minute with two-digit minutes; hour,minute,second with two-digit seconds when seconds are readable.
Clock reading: 9,40,23
